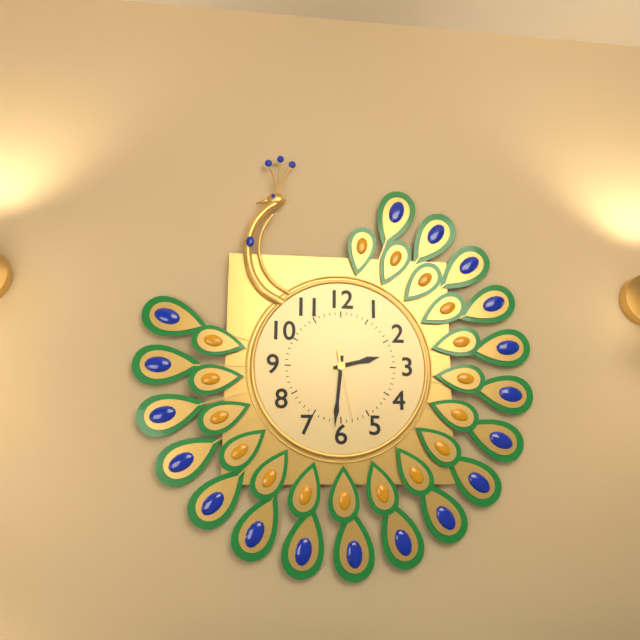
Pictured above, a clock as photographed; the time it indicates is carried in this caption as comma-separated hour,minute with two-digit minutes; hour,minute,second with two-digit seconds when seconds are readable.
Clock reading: 2,31,28
